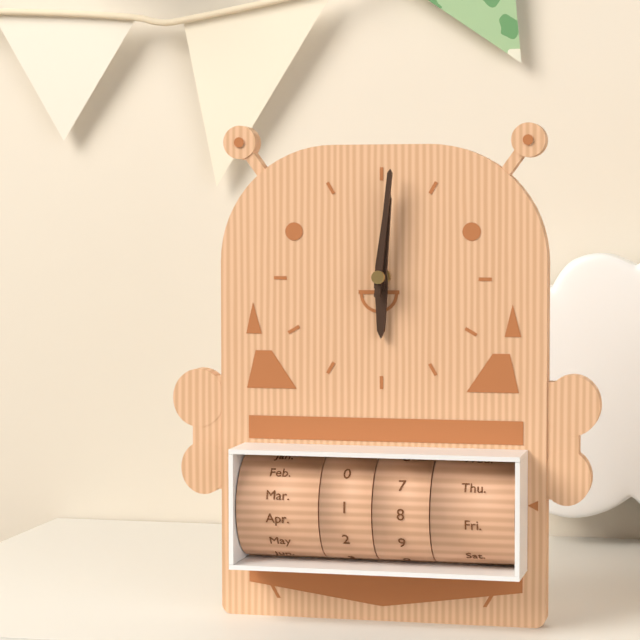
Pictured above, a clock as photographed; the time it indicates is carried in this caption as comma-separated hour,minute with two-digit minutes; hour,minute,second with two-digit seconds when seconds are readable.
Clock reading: 6,01,01
